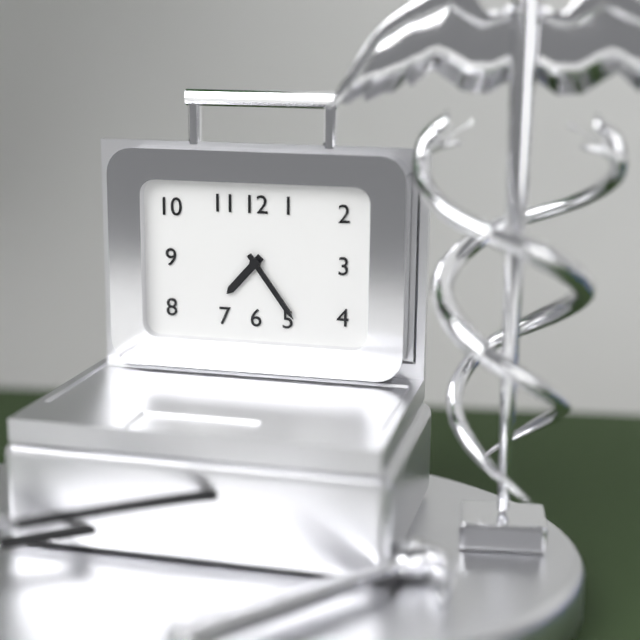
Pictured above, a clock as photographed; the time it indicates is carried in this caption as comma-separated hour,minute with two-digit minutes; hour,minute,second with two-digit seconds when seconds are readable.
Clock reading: 7,24
